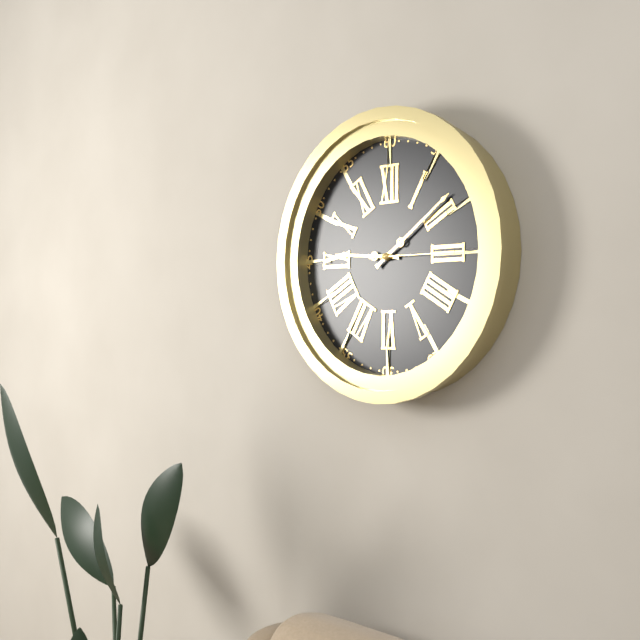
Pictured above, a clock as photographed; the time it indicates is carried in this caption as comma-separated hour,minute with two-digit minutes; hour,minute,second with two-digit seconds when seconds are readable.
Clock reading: 9,09,15
